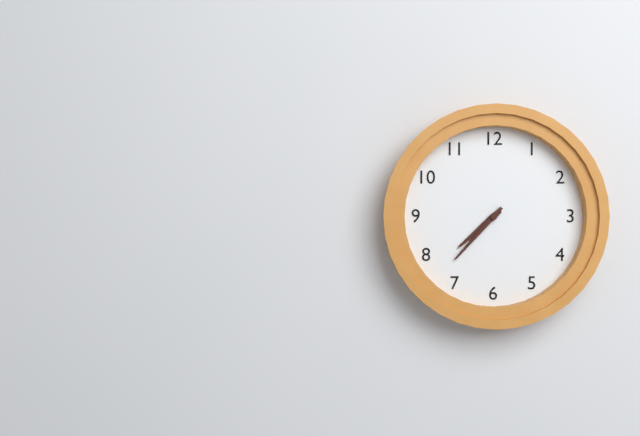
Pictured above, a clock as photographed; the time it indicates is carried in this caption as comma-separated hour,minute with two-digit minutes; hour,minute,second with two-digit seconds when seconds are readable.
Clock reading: 7,37
